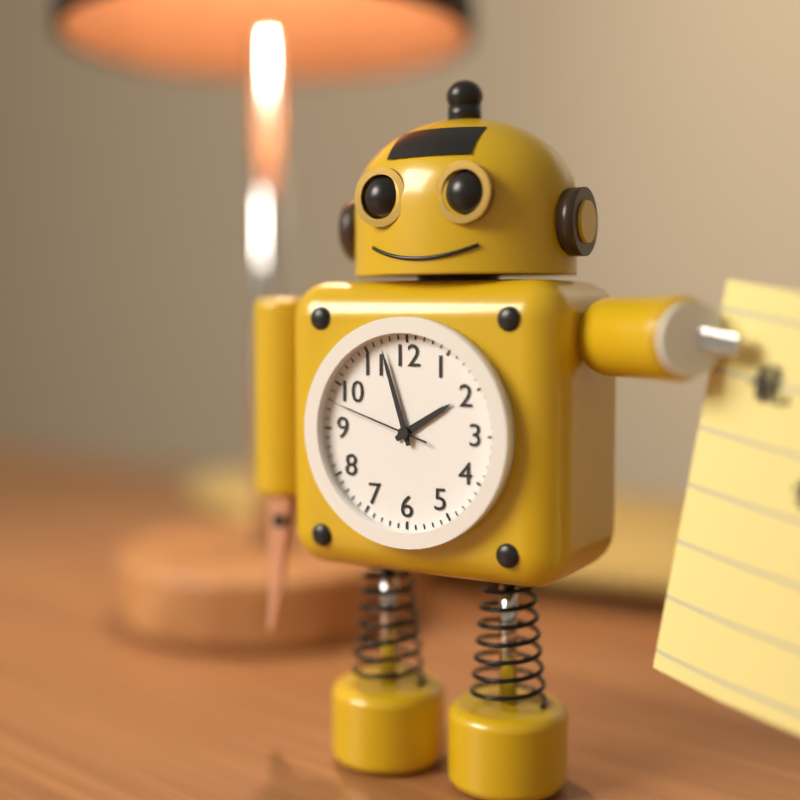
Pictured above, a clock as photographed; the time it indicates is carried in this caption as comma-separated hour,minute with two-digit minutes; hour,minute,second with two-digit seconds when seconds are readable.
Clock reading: 1,57,48
